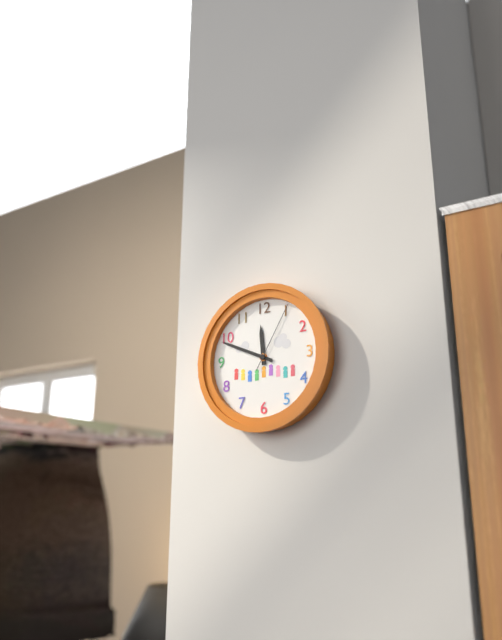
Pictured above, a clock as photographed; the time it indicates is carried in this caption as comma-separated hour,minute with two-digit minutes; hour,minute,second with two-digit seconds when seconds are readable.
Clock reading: 11,49,05
